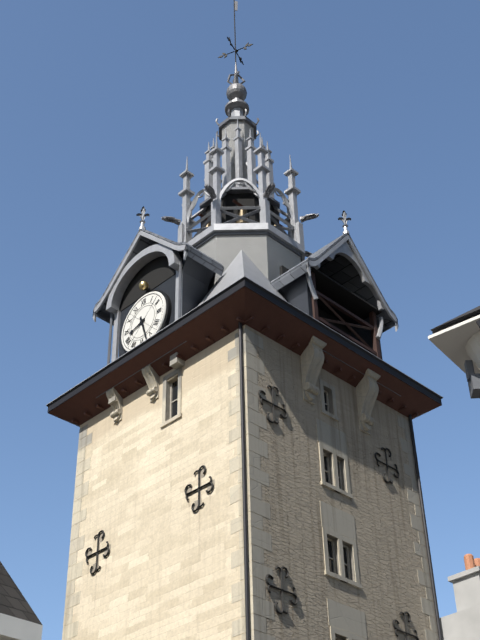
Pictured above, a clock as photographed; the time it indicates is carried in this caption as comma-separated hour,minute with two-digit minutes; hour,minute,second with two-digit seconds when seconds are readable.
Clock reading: 8,27
